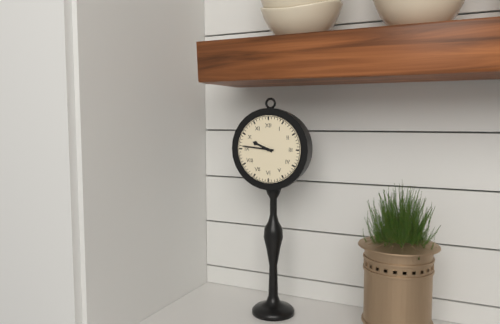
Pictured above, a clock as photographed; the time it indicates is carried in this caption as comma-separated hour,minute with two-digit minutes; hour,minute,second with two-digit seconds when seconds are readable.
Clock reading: 9,46
